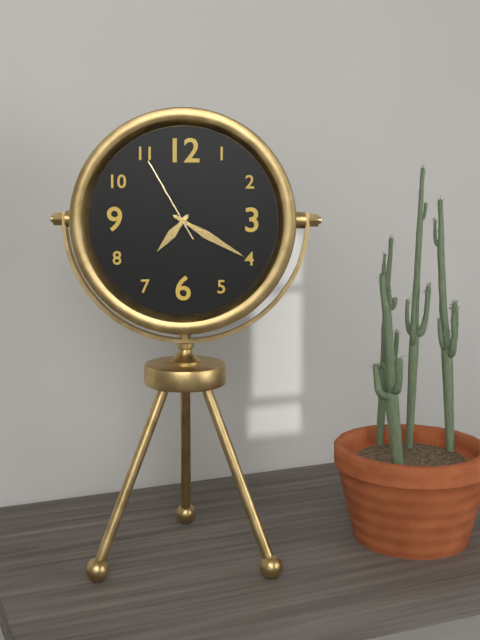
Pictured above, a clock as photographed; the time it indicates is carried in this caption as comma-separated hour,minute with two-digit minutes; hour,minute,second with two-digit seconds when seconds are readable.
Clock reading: 7,20,55
